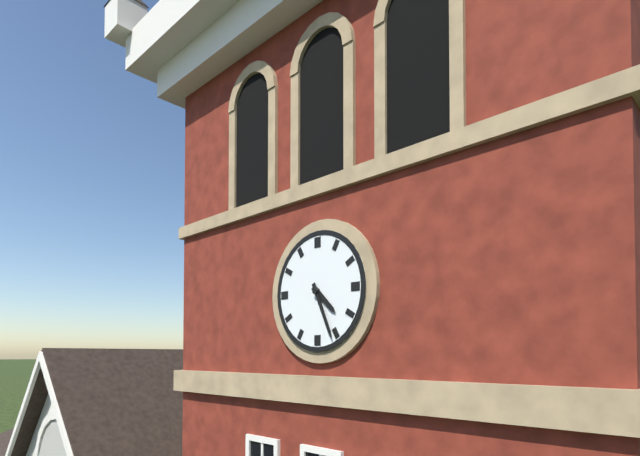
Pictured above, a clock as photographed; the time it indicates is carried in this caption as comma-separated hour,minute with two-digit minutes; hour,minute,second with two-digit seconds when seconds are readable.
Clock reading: 4,26
